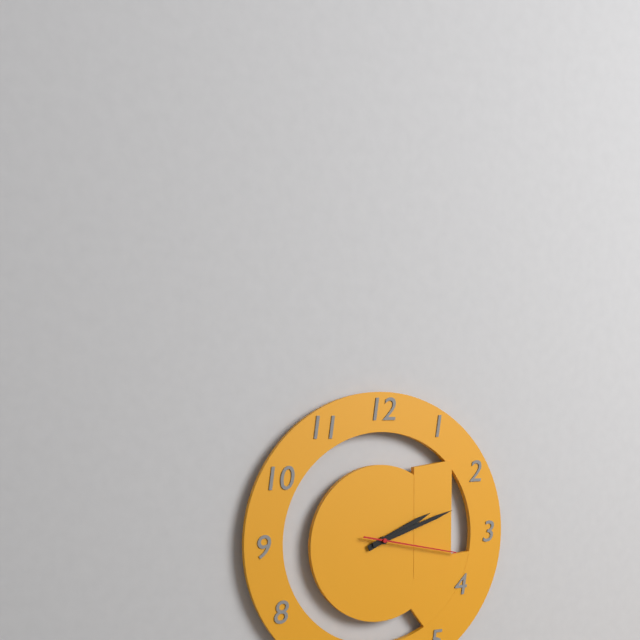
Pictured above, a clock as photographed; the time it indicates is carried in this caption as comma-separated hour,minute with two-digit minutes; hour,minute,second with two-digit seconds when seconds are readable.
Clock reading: 2,12,17
